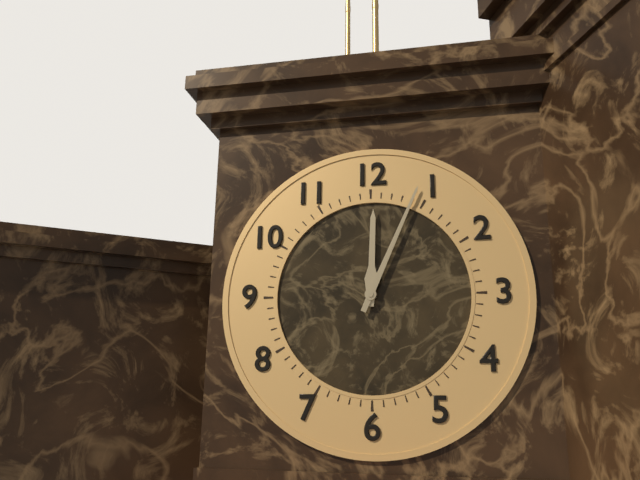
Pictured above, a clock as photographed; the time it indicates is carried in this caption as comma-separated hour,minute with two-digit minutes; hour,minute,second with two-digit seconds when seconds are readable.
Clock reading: 12,04
